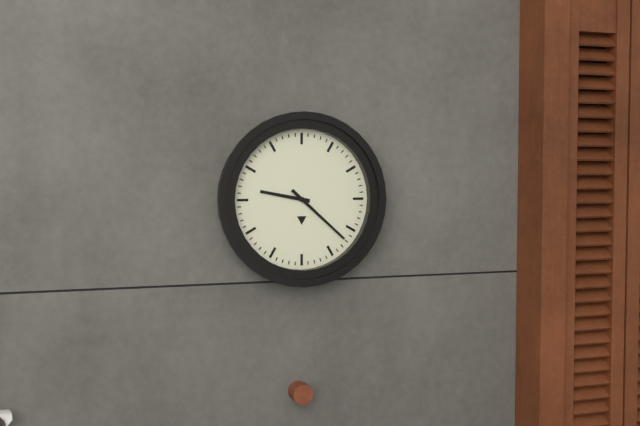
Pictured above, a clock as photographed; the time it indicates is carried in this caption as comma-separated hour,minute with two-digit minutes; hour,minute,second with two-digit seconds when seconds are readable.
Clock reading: 9,22
